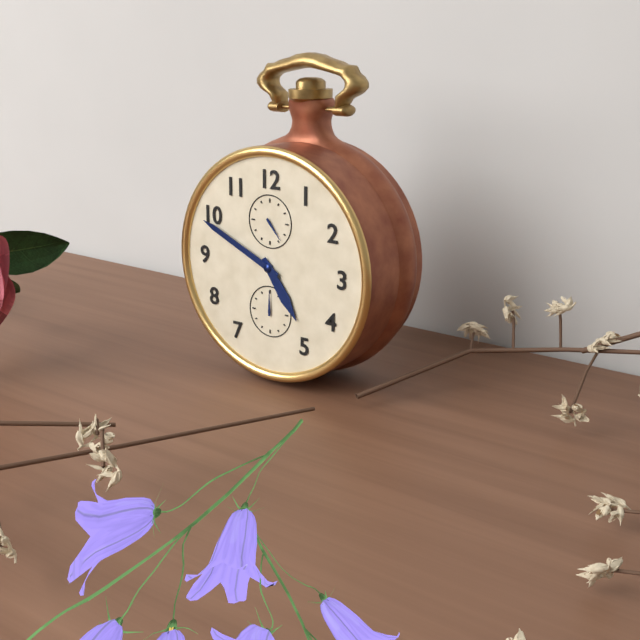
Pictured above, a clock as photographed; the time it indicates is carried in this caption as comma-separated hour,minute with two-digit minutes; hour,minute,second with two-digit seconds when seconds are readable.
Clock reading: 4,49
